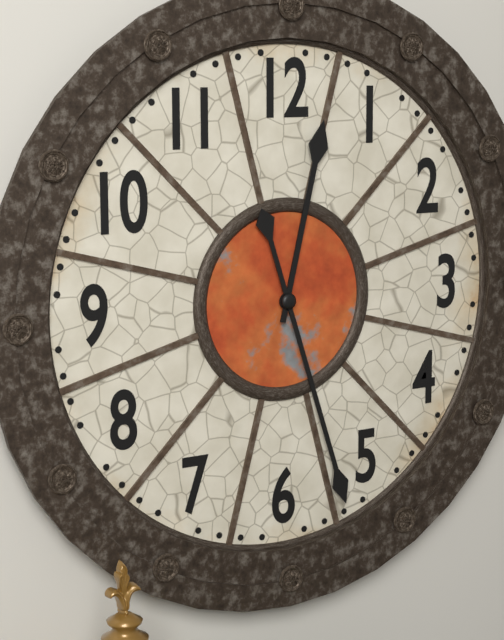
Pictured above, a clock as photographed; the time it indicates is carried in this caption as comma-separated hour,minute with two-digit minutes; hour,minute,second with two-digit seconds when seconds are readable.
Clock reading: 12,27
